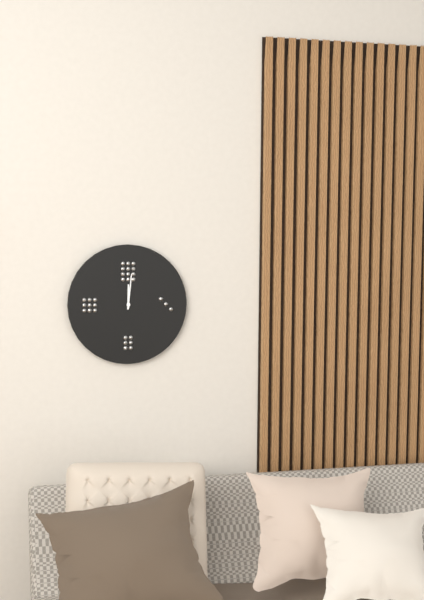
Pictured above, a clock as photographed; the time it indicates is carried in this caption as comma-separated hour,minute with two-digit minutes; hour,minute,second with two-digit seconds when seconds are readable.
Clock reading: 12,01
